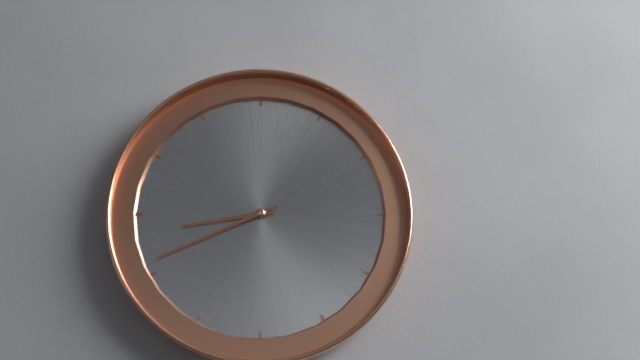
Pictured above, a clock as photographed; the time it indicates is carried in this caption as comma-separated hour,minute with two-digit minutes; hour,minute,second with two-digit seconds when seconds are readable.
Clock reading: 8,41
